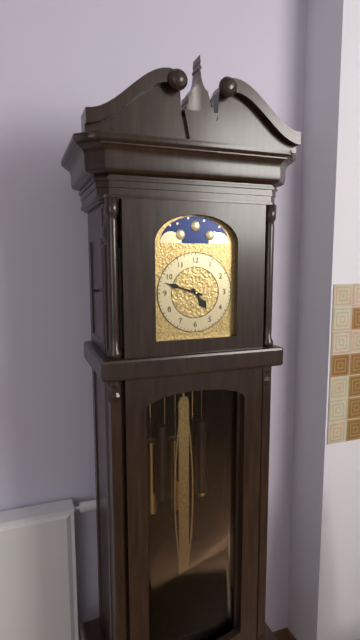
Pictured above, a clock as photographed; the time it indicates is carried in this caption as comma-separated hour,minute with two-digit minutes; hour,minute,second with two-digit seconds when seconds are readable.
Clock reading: 4,48
